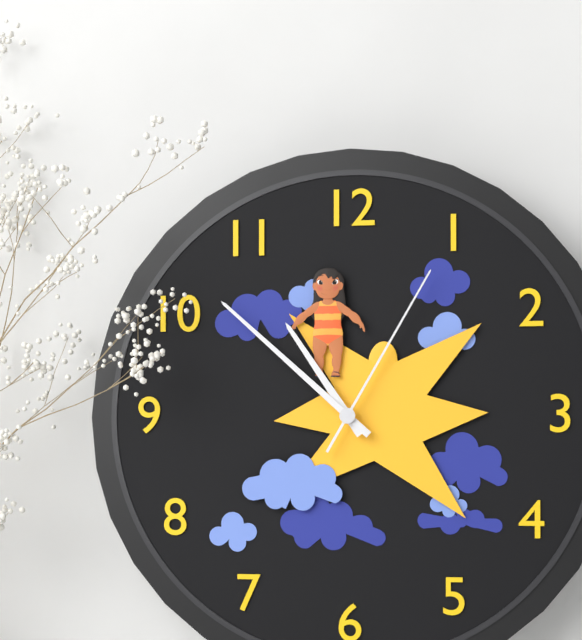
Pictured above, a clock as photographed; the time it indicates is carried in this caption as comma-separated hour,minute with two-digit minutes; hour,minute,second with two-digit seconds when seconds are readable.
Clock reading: 10,52,05
